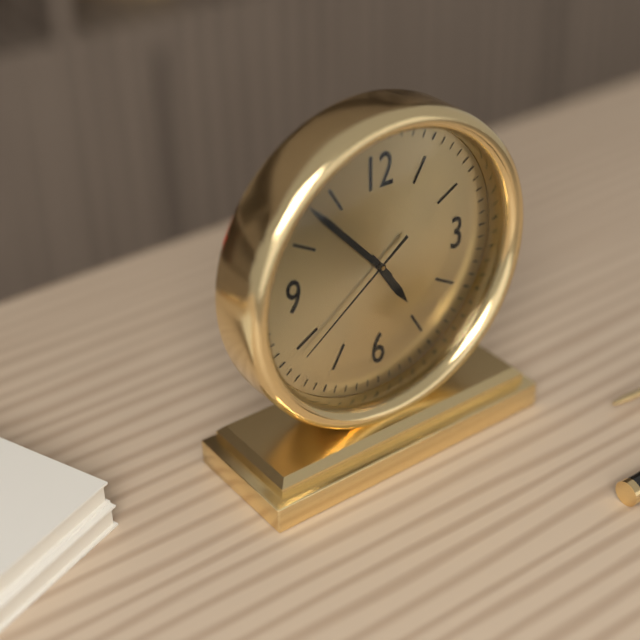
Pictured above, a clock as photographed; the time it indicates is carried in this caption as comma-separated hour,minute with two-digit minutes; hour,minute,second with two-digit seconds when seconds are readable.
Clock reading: 4,53,39
